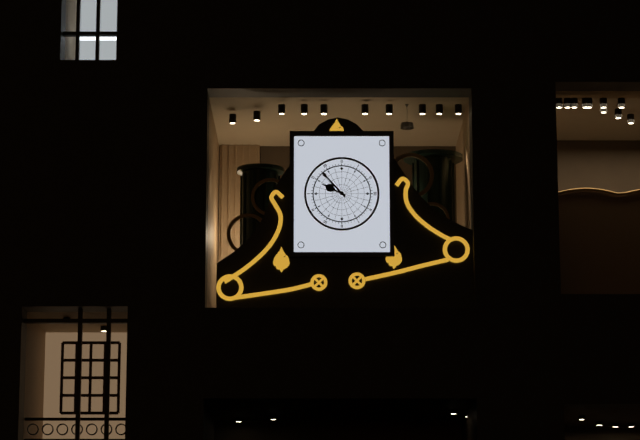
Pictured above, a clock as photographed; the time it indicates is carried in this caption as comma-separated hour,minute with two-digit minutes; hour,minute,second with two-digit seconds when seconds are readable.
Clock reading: 9,53
